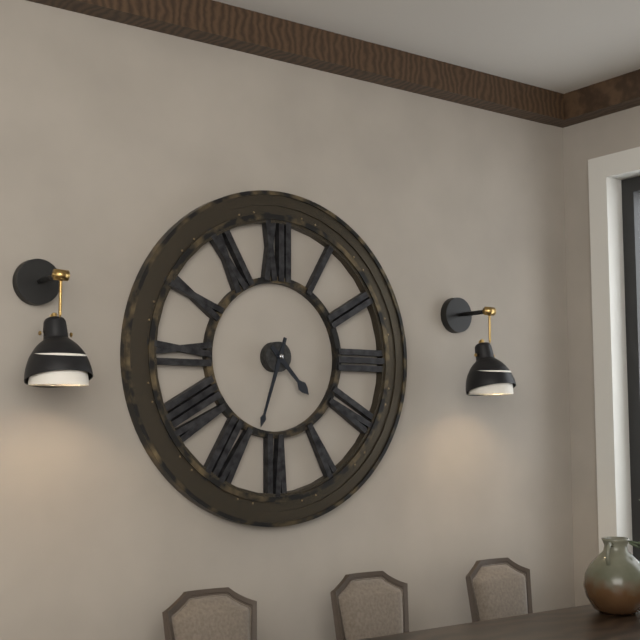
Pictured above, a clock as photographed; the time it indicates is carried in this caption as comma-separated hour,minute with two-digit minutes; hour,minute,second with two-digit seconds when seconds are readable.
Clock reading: 4,33
